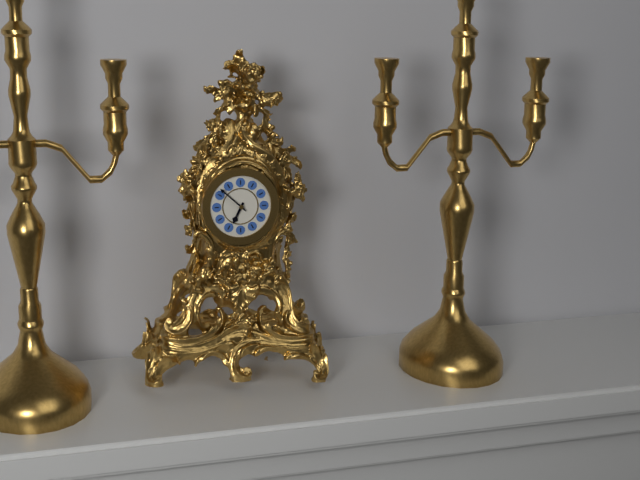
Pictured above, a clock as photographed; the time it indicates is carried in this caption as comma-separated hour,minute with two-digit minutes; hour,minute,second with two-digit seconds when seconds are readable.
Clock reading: 6,52
